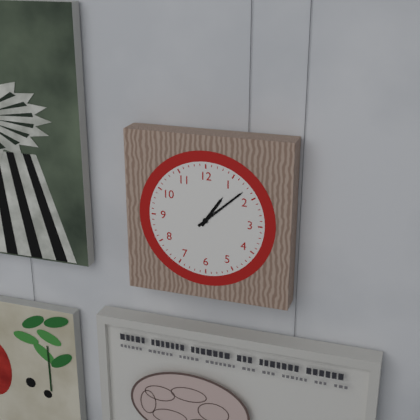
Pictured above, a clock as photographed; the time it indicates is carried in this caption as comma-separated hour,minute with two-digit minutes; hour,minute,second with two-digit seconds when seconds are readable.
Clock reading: 1,08
